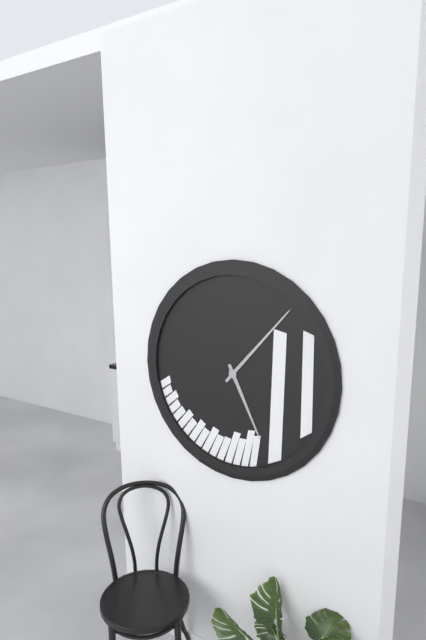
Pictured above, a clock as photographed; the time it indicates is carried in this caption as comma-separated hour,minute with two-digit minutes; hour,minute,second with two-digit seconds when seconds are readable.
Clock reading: 5,07
